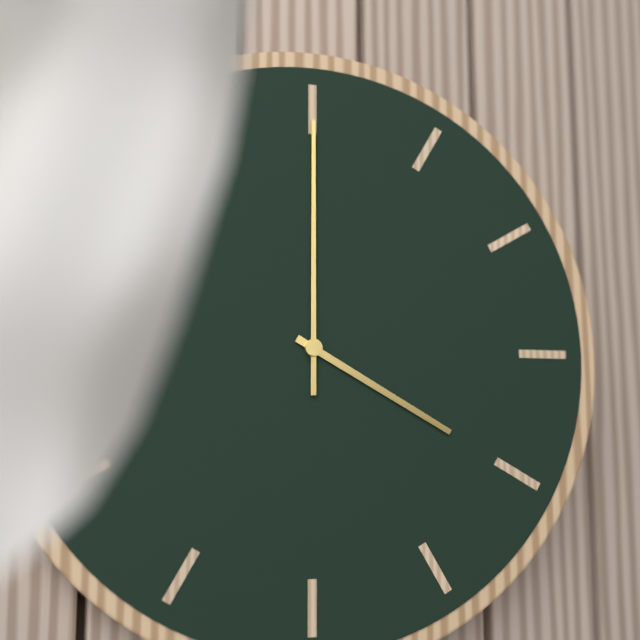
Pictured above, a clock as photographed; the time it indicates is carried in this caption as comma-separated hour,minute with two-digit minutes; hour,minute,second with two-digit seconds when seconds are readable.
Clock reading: 4,00
